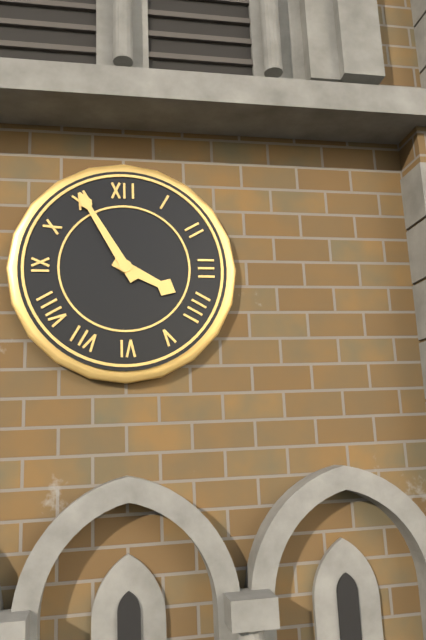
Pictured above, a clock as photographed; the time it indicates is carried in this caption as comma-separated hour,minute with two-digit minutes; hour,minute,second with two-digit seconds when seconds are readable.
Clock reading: 3,55
